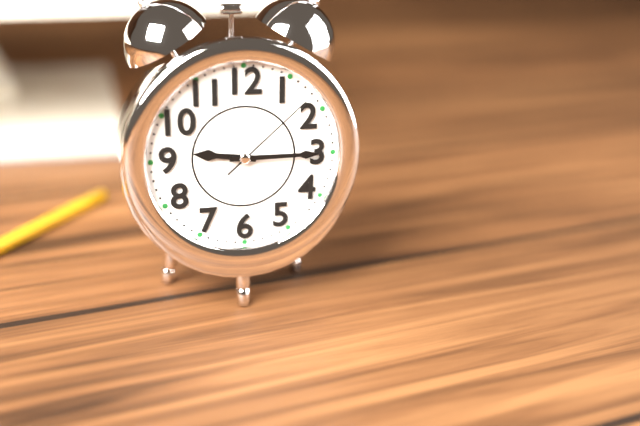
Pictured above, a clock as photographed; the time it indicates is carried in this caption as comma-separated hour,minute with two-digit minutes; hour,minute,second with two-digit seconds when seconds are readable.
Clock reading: 9,15,08
